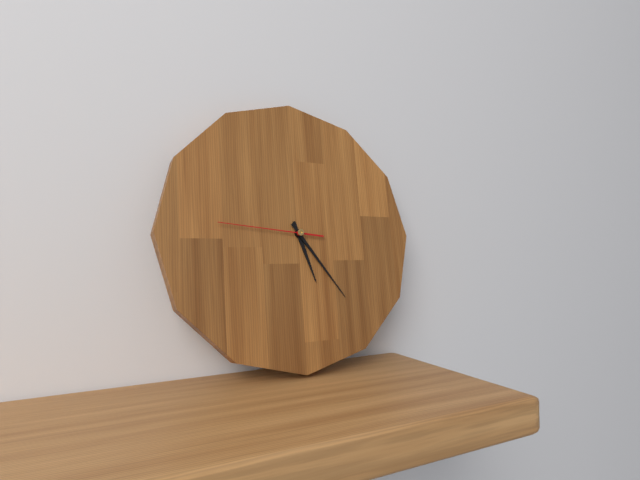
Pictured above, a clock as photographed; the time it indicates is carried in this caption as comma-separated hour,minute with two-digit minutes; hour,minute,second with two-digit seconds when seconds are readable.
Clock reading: 5,24,46
